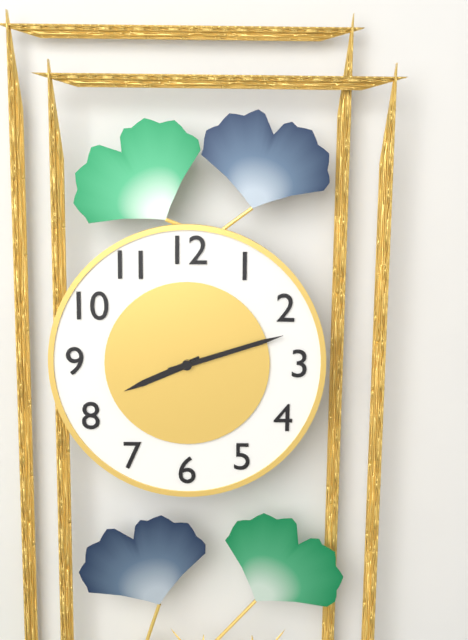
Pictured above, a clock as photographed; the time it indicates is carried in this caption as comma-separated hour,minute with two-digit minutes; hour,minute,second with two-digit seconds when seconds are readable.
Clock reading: 8,12
